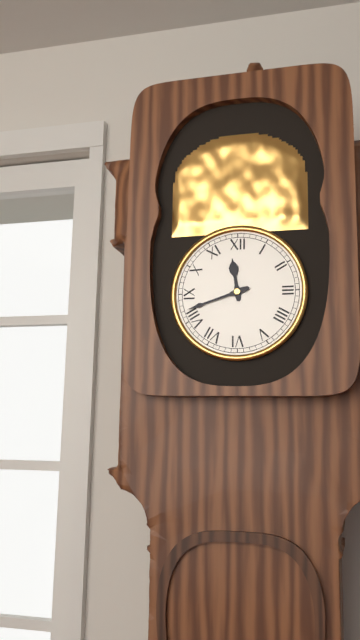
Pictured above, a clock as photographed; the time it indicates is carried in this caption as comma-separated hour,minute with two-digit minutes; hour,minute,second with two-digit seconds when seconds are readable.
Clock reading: 11,42
